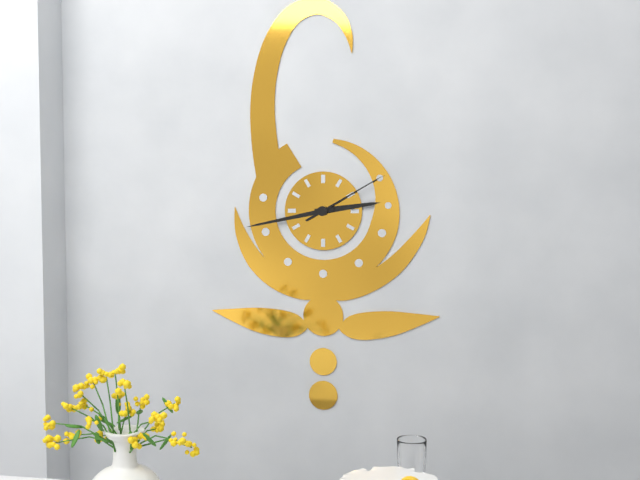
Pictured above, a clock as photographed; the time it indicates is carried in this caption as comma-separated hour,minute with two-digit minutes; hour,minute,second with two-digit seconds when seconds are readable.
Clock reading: 2,43,10
